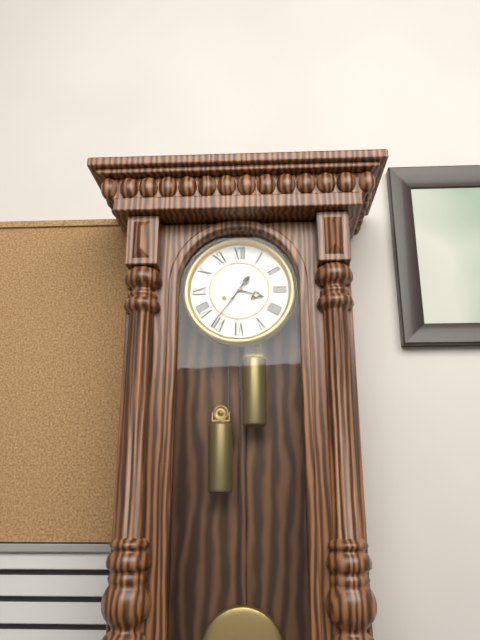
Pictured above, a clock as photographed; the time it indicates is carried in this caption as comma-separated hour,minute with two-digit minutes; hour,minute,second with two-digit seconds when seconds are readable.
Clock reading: 3,36
